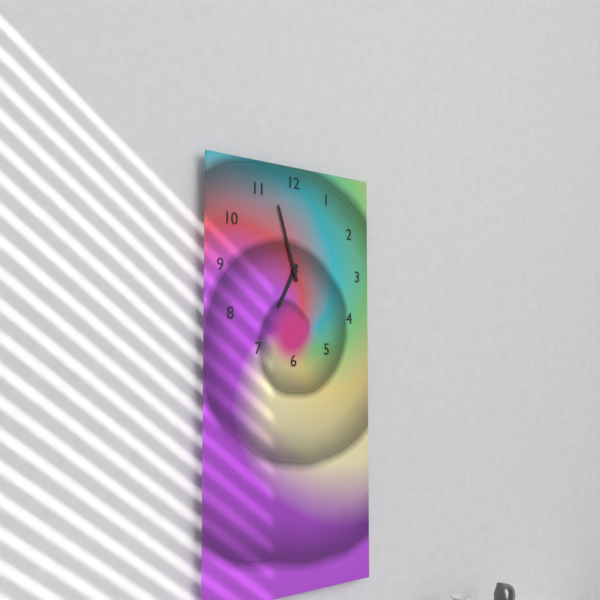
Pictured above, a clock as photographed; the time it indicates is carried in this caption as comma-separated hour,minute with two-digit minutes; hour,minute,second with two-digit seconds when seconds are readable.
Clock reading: 6,57
